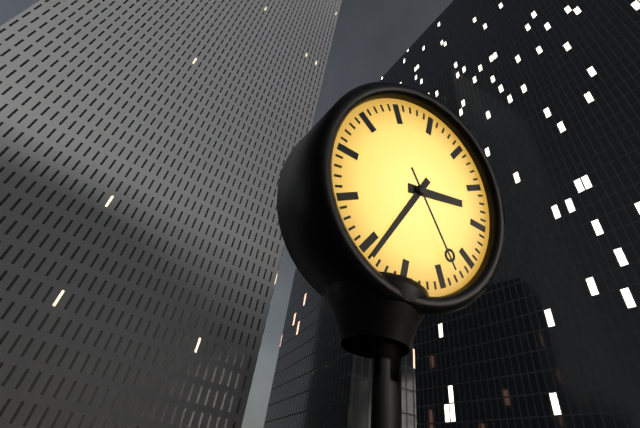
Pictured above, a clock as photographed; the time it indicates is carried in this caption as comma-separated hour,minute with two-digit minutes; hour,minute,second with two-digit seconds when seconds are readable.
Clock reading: 2,34,23
